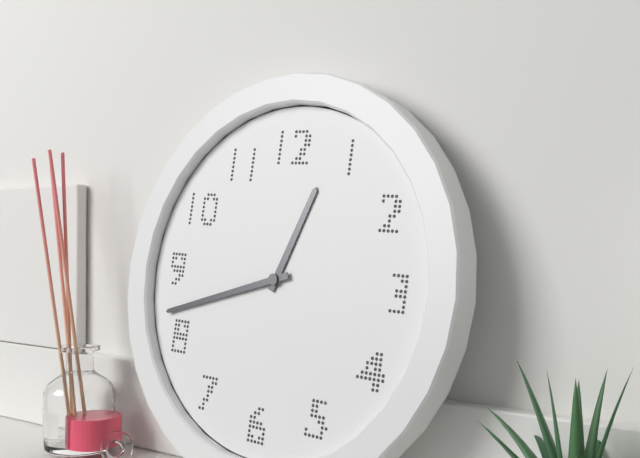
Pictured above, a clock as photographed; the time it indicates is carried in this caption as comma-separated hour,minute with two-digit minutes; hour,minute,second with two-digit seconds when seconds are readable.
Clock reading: 12,42
